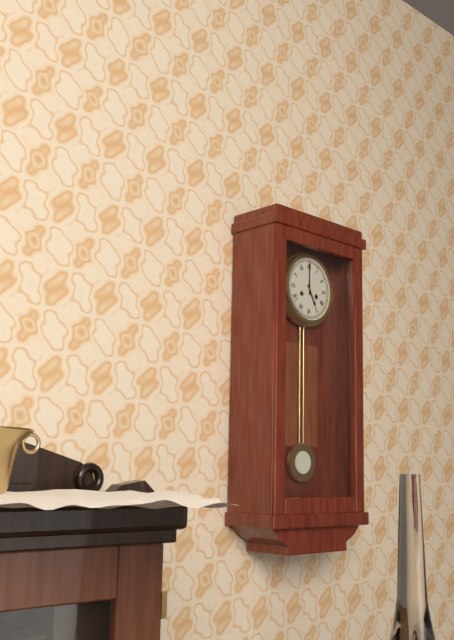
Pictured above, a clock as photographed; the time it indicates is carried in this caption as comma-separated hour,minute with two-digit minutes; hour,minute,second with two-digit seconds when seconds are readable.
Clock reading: 5,00
